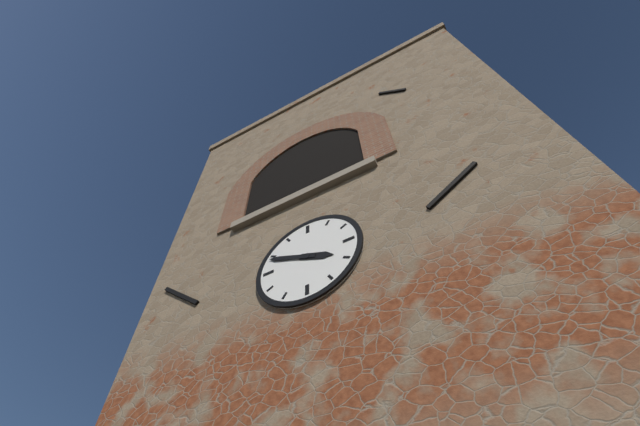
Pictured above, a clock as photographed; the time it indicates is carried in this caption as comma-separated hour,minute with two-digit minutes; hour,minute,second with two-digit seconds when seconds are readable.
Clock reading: 3,49
